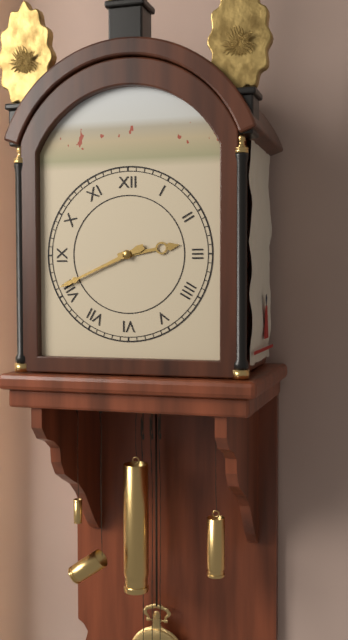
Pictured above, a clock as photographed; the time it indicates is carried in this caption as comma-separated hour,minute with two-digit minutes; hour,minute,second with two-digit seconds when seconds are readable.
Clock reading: 2,41
